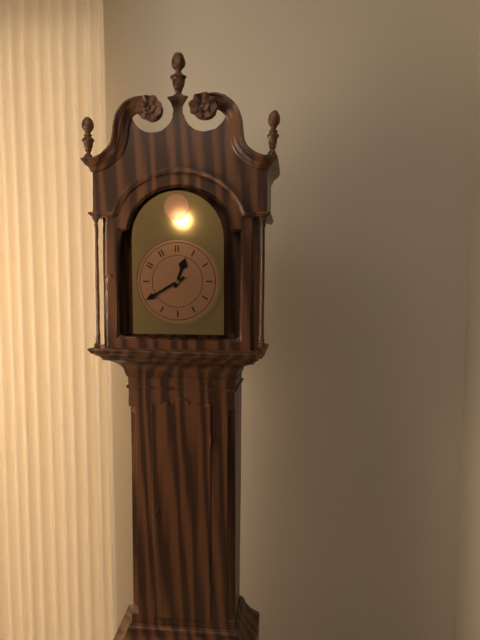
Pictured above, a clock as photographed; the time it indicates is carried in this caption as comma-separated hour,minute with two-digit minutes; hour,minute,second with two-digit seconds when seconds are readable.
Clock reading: 12,40
